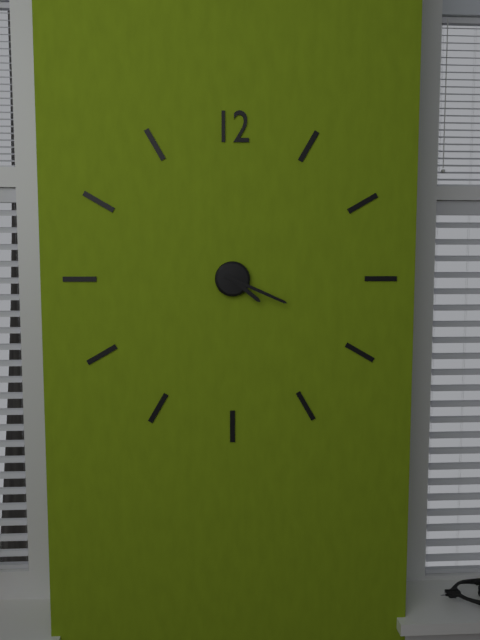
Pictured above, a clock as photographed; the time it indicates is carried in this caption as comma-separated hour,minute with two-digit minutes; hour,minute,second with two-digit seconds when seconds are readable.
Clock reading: 4,19
